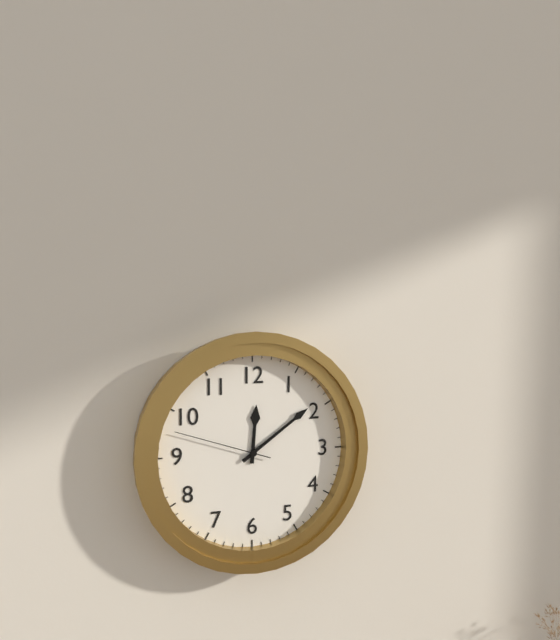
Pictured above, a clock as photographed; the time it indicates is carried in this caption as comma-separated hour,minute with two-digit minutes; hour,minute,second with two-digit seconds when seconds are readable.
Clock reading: 12,09,48
